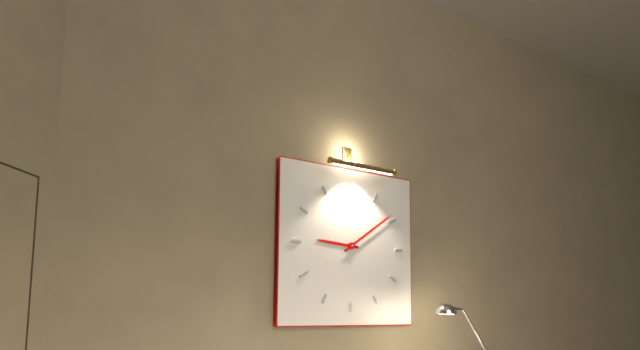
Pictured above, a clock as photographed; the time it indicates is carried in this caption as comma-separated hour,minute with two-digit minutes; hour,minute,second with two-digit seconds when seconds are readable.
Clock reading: 9,09
